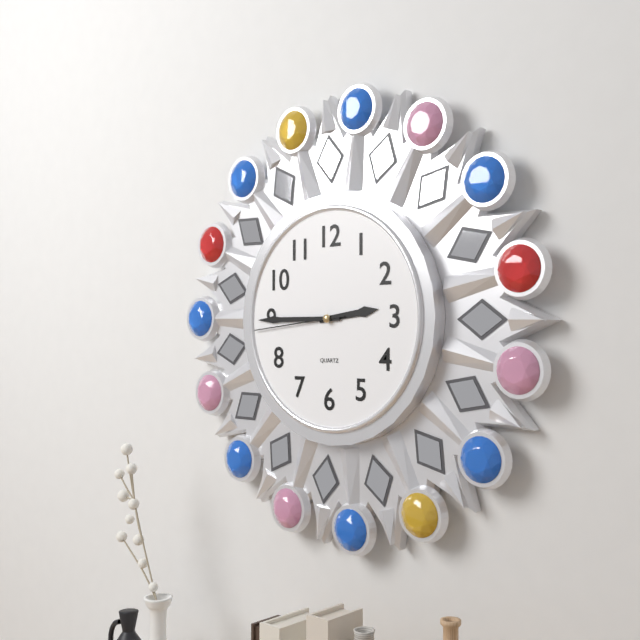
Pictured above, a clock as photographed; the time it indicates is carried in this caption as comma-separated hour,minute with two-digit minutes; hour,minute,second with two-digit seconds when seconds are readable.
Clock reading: 2,45,44
